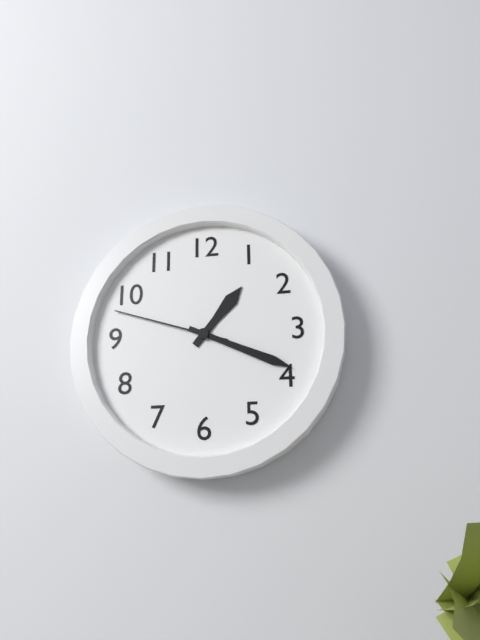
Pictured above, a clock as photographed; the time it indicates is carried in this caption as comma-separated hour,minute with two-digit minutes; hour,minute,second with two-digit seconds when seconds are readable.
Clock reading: 1,19,48
